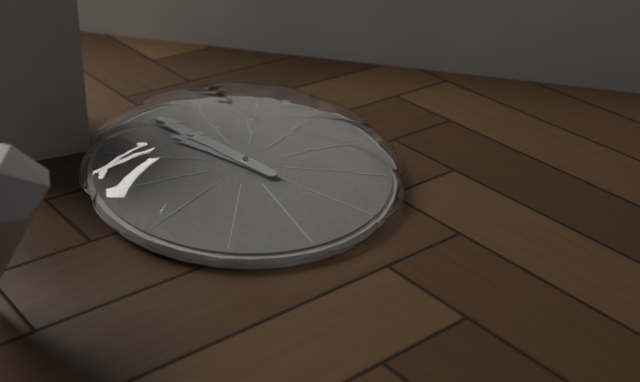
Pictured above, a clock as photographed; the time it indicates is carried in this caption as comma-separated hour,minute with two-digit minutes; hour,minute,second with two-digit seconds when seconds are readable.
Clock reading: 10,56
